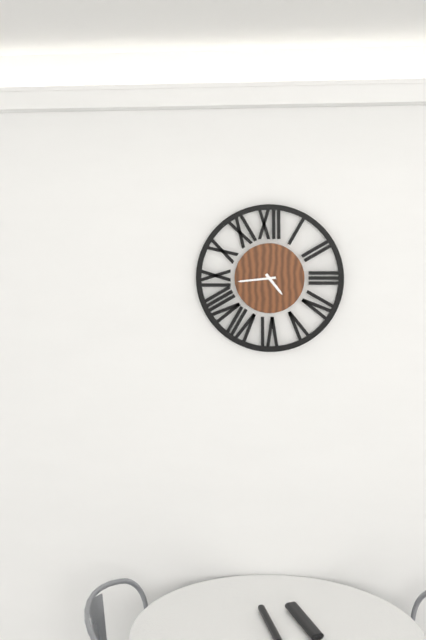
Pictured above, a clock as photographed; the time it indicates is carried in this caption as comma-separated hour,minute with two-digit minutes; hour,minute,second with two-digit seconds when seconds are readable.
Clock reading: 4,44
